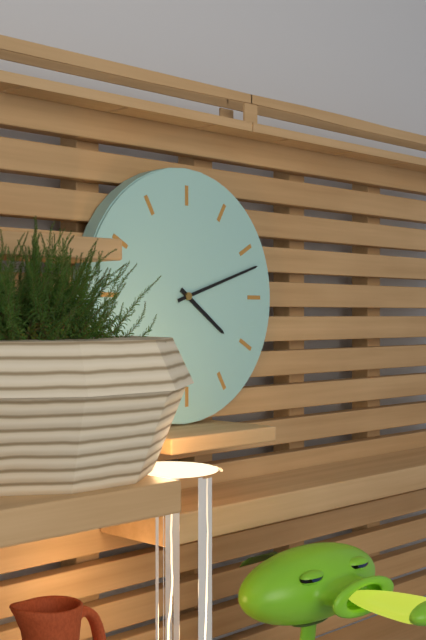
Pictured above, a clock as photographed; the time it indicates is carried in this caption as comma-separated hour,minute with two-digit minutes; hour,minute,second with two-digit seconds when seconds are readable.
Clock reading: 4,12
